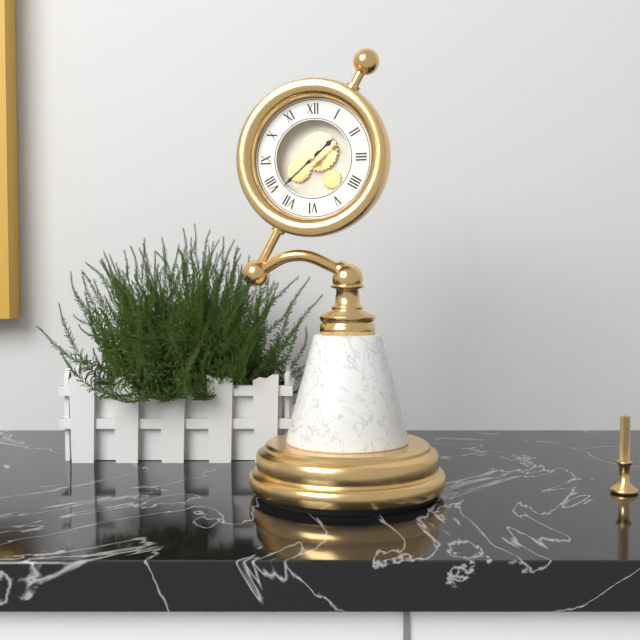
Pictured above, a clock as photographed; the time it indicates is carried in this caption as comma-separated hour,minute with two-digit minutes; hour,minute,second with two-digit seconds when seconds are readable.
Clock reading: 1,38
